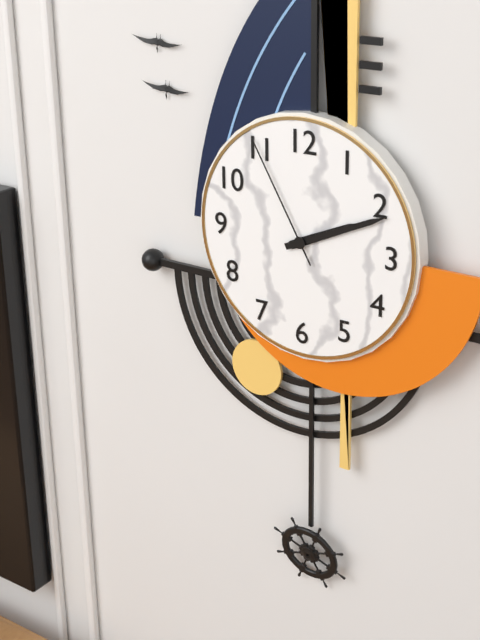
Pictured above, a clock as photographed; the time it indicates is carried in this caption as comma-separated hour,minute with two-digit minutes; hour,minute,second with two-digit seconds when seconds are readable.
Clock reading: 2,11,55
